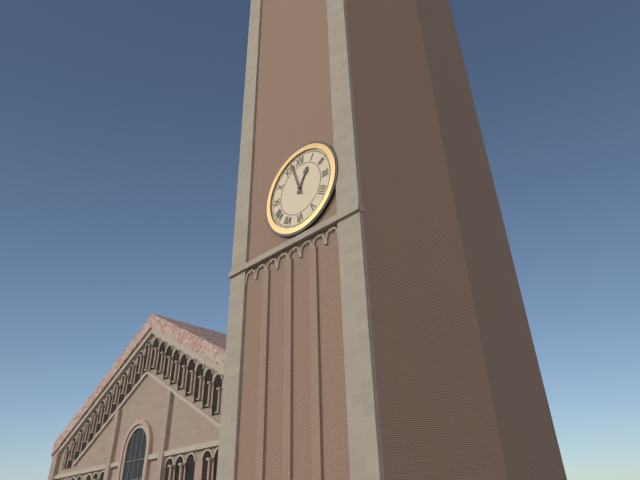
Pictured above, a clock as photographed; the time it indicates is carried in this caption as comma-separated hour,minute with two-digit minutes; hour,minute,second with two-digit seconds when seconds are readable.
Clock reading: 12,57
